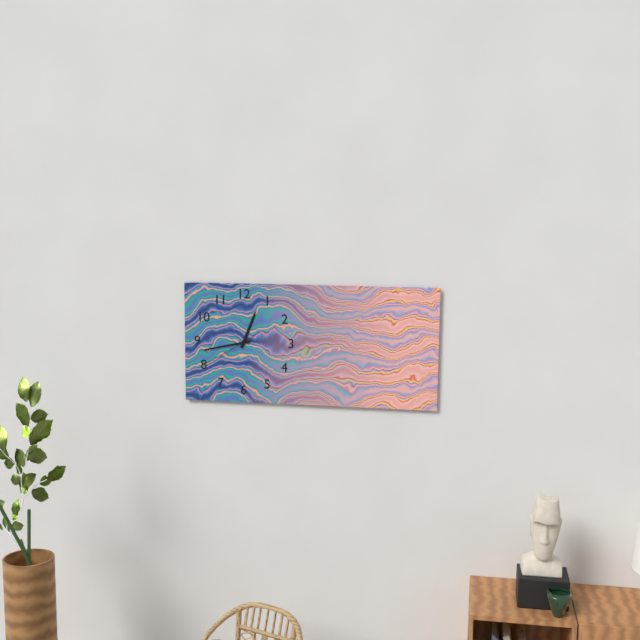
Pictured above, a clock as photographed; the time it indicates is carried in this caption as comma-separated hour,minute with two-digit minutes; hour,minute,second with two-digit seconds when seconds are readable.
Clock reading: 12,43,40
